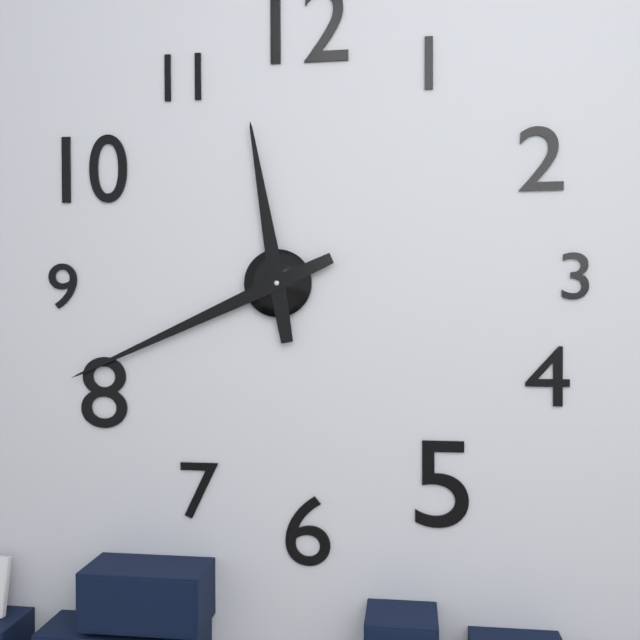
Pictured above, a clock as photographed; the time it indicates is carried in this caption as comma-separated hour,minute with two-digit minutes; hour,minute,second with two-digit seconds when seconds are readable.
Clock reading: 11,41
